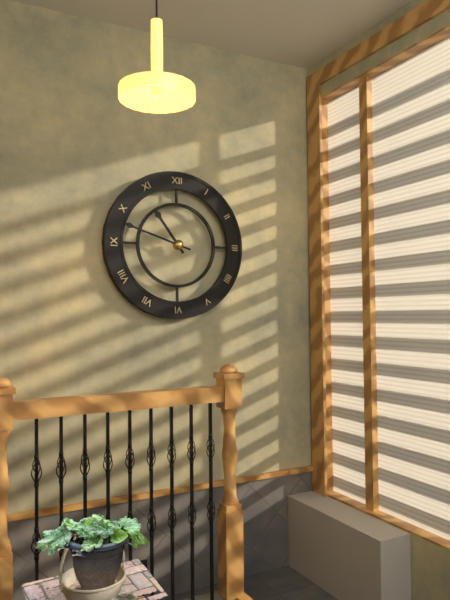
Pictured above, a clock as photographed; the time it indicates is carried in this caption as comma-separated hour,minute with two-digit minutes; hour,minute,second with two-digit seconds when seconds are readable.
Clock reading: 10,48
